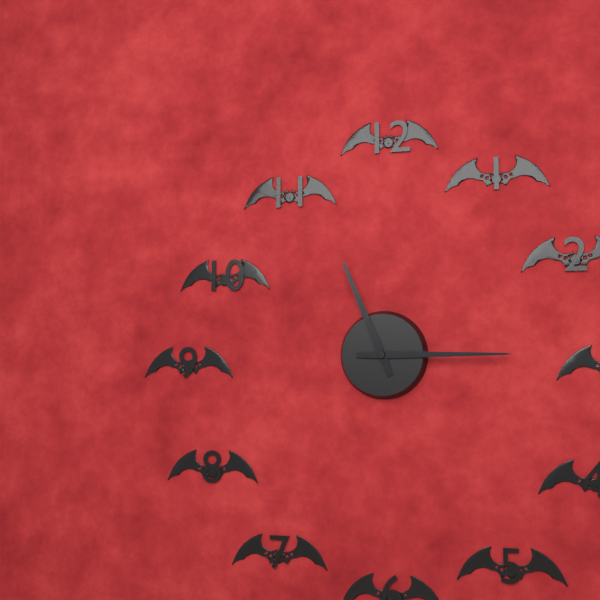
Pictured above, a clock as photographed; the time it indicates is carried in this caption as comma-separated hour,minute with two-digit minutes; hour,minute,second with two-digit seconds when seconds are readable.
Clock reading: 11,15
